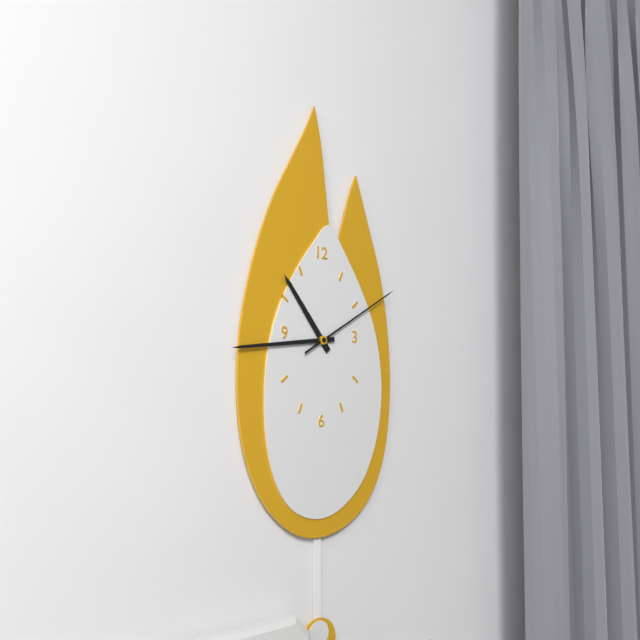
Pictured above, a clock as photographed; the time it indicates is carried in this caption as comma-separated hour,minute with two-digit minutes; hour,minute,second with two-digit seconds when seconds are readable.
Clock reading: 10,44,10
